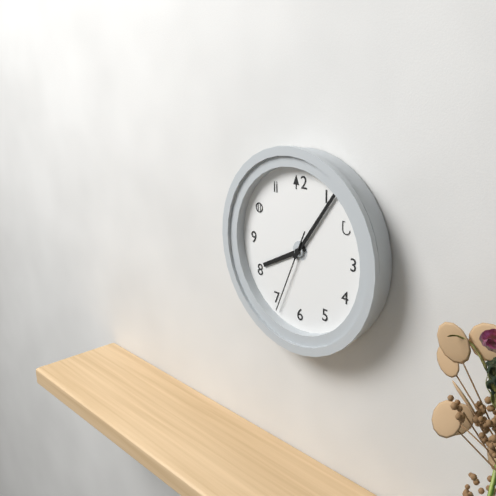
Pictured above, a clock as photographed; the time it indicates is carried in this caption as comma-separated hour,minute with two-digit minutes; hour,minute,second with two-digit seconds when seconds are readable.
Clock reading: 8,06,34
